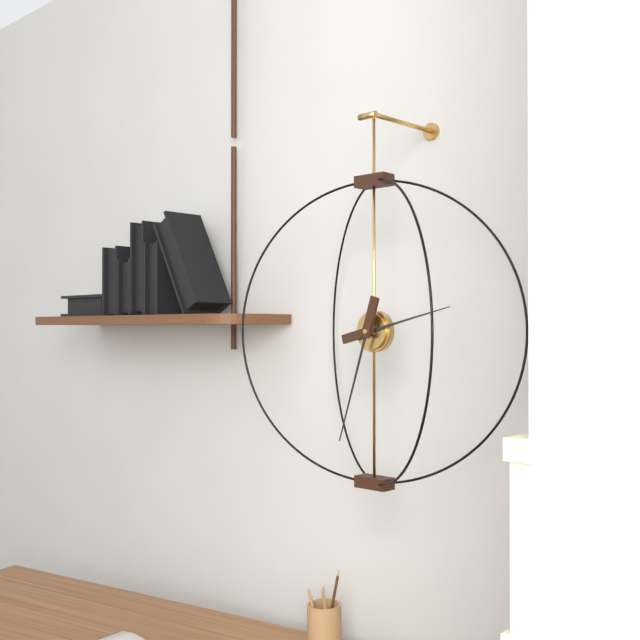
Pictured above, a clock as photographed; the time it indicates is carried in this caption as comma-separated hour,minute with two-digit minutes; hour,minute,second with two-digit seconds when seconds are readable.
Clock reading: 2,33
